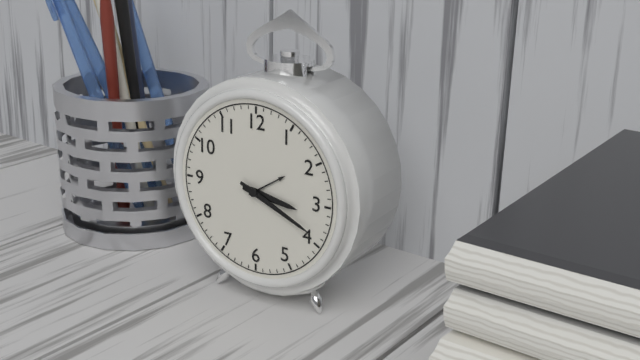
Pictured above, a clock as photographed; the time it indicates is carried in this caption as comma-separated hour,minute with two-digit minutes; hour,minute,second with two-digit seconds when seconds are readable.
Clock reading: 3,19
